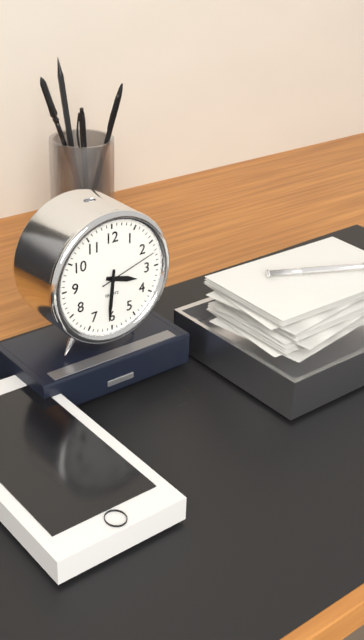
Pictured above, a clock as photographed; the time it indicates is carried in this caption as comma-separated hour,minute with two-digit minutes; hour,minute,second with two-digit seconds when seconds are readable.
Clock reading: 3,31,12
